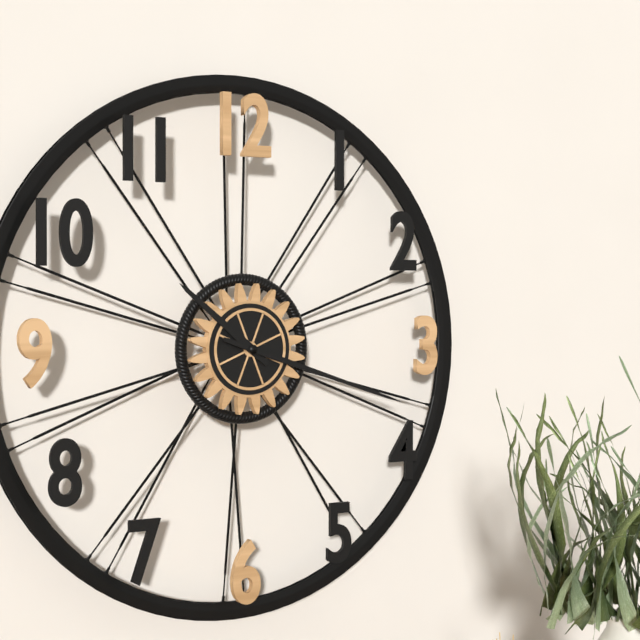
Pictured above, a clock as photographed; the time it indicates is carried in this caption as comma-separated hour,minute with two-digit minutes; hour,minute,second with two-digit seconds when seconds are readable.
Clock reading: 10,18
